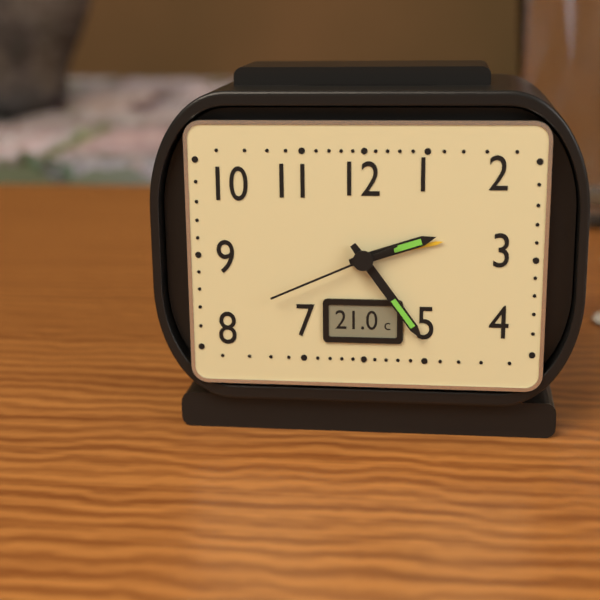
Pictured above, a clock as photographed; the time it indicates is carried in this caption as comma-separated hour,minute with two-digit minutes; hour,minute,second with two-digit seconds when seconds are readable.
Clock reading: 2,24,41
